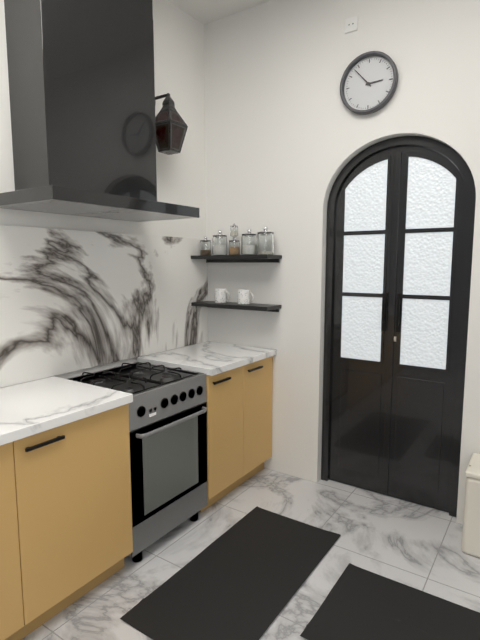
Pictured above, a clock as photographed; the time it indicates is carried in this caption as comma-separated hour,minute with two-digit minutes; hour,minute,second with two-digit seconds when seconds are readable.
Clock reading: 2,53
